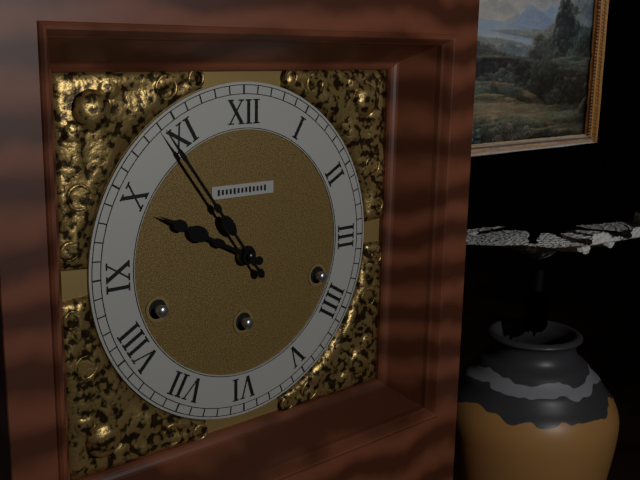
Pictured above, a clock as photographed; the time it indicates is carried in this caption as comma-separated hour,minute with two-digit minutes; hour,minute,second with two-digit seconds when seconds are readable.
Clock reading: 9,54
